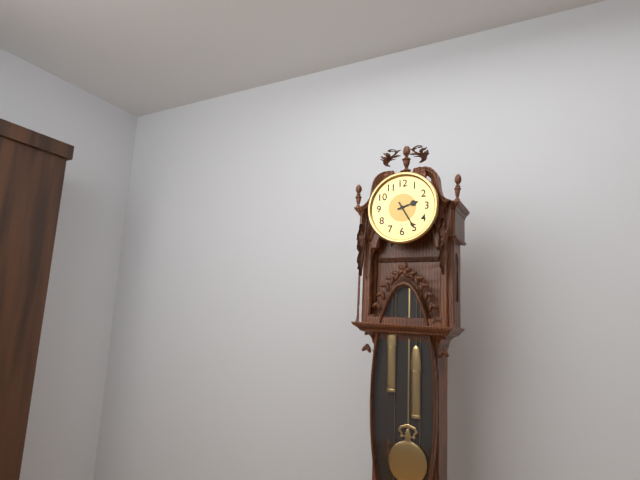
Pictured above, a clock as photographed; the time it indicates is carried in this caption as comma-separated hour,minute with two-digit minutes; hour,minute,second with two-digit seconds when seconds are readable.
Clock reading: 2,25
